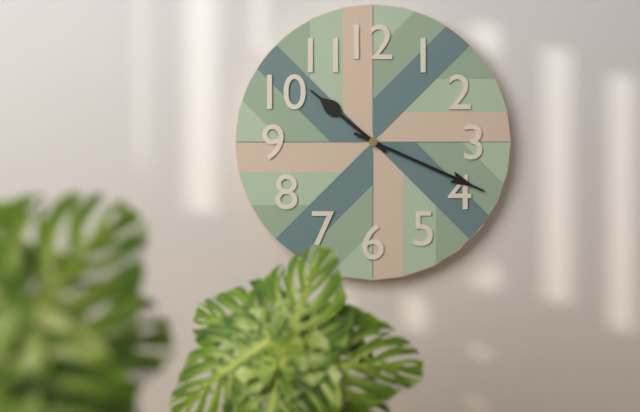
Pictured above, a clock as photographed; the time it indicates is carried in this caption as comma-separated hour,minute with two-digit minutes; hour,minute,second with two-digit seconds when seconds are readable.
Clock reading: 10,19
